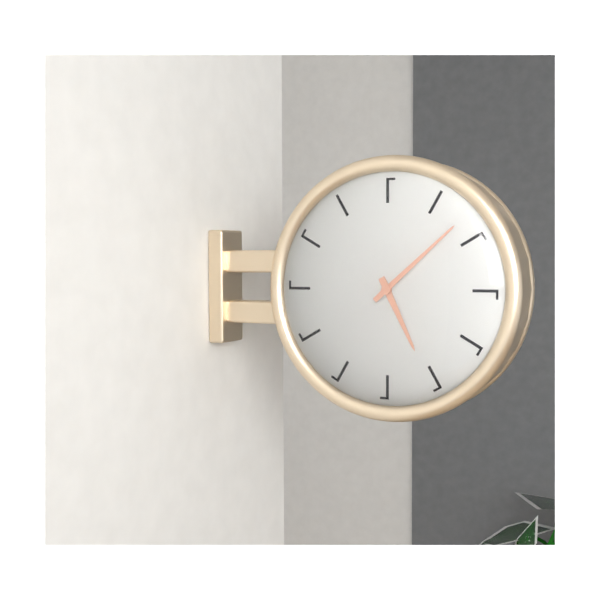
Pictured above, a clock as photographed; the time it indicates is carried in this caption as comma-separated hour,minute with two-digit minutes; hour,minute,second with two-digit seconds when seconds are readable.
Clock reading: 5,08
